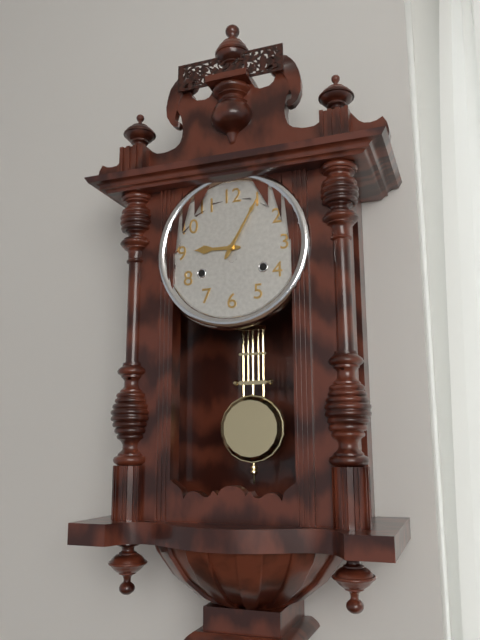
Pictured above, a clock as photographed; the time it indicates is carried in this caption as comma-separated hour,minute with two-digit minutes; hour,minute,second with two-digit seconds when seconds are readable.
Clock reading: 9,05
